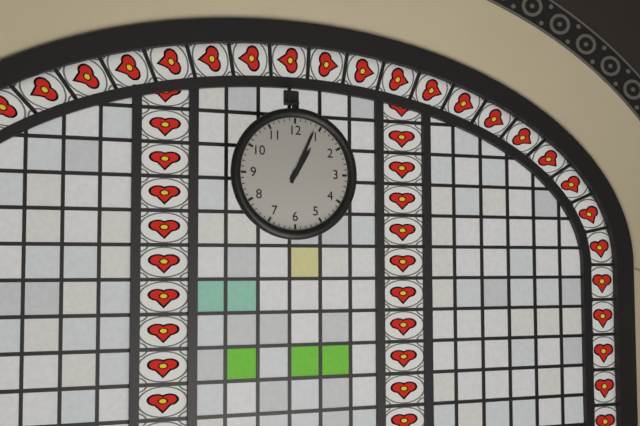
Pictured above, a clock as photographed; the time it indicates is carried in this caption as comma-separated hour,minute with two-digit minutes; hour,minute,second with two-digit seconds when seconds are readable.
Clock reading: 1,04
